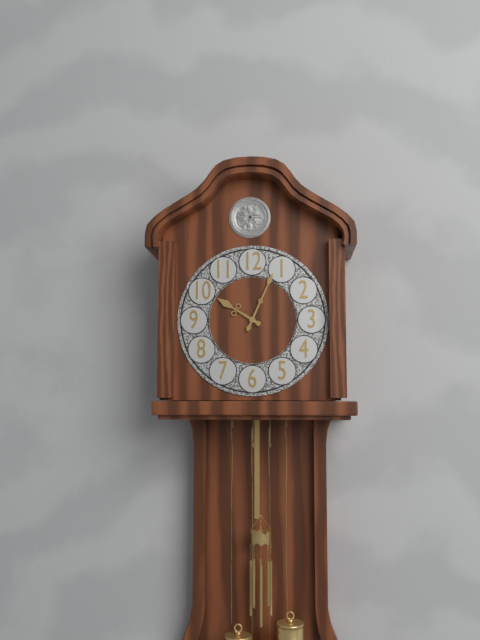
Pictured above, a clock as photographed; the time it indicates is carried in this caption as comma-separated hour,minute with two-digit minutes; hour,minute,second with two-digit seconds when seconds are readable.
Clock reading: 10,04
